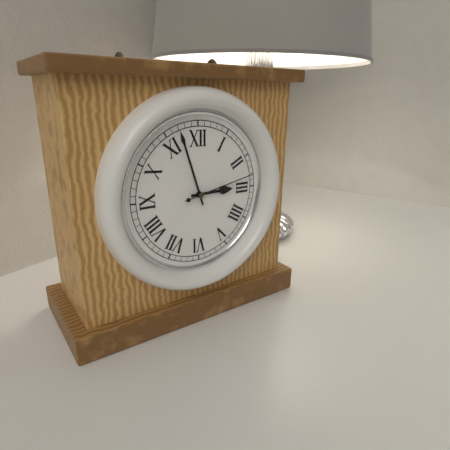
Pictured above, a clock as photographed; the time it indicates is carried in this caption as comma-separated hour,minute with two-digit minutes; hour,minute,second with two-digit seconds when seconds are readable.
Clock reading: 2,57,13
